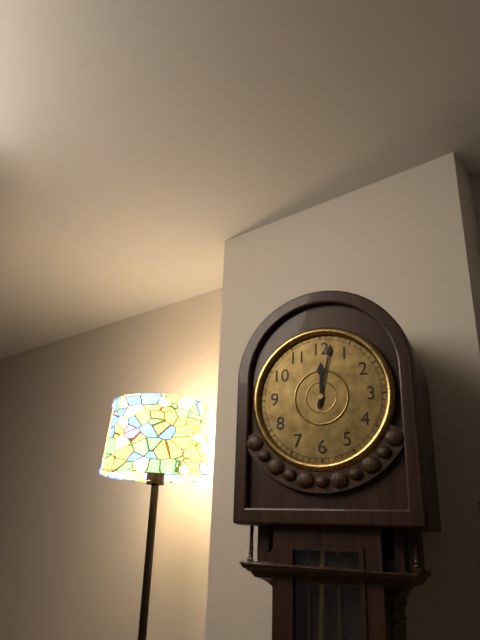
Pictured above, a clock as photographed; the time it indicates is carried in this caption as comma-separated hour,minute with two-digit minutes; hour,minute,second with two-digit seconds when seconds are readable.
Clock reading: 12,02
